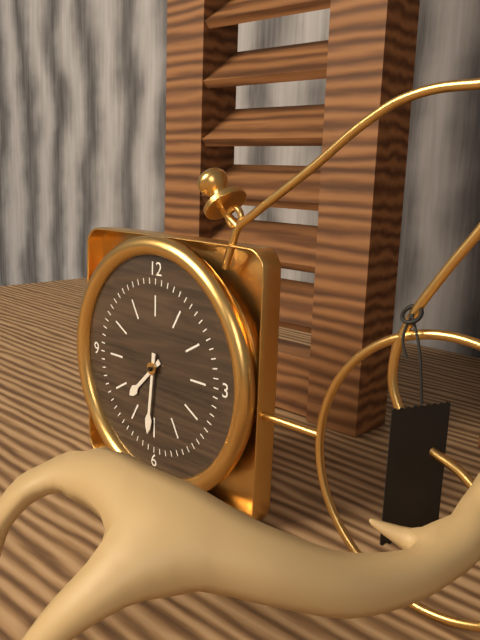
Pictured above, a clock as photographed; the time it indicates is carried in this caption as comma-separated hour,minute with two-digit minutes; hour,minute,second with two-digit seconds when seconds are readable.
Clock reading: 7,31
